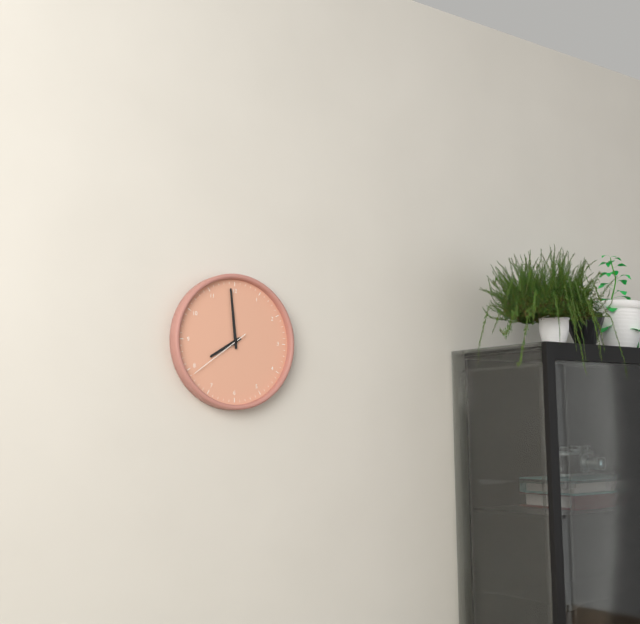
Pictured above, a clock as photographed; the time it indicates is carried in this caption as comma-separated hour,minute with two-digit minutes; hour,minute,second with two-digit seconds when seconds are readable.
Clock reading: 7,59,39
